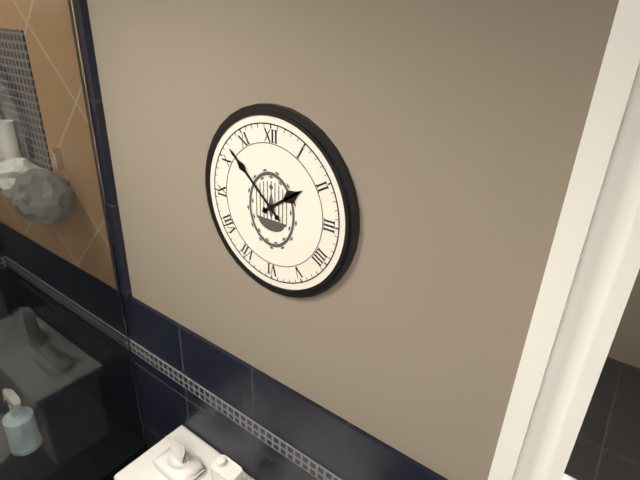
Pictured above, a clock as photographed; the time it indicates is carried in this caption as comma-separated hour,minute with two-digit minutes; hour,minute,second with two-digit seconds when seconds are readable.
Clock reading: 1,52
